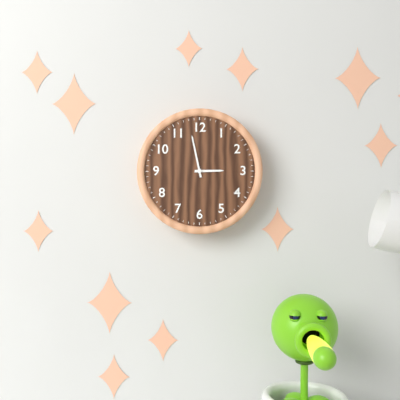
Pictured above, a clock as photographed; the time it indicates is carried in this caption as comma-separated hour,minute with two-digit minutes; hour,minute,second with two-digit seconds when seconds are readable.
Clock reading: 2,58
